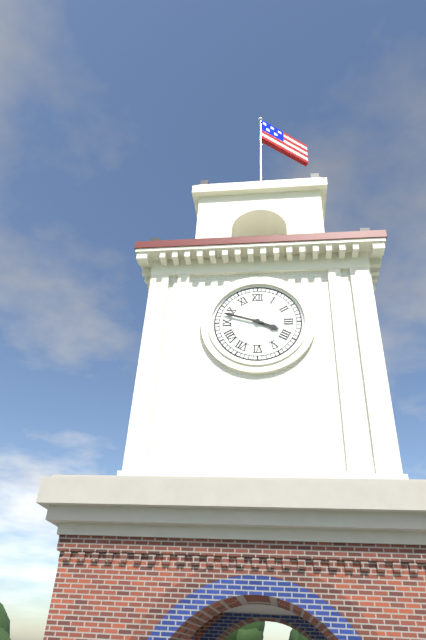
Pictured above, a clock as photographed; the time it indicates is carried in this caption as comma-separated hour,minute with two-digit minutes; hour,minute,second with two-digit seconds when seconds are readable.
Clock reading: 3,48
